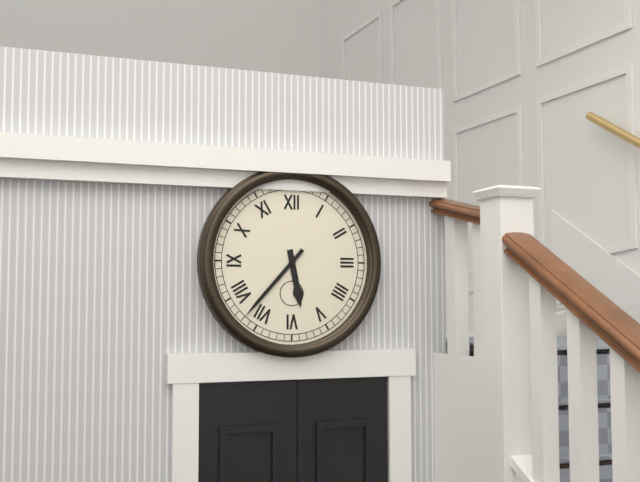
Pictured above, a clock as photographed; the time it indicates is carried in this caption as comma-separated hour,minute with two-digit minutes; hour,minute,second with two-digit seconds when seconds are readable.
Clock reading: 5,37
